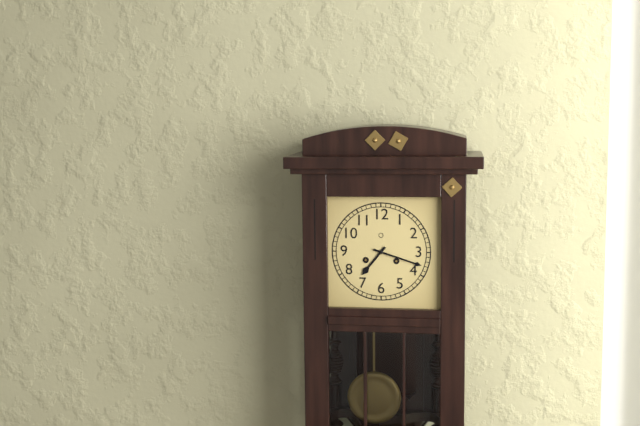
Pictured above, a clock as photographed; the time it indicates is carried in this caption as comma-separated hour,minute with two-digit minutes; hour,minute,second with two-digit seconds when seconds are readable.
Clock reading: 7,18
